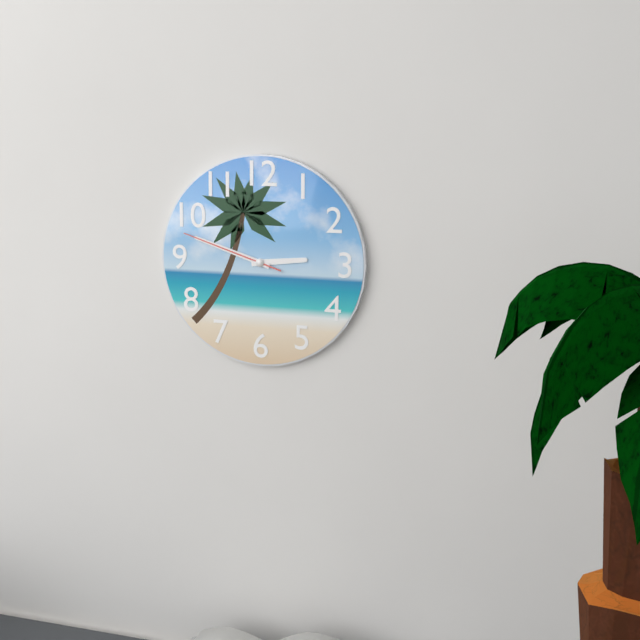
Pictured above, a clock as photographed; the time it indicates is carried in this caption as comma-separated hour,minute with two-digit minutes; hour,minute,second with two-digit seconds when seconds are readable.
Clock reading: 2,48,48
